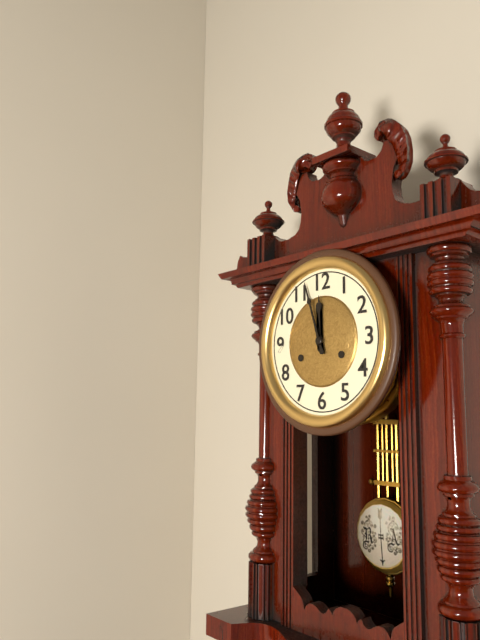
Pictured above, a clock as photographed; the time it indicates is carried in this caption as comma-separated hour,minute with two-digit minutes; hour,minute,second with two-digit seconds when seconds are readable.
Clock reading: 11,57
